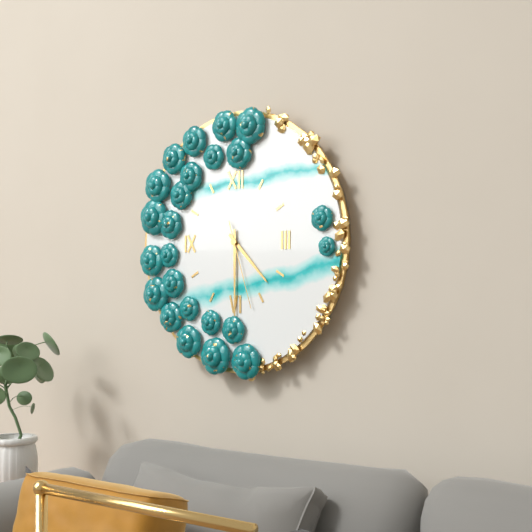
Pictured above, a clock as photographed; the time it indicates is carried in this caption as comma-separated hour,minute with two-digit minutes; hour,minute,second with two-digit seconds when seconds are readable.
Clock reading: 4,30,27
